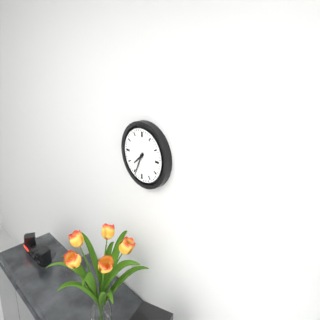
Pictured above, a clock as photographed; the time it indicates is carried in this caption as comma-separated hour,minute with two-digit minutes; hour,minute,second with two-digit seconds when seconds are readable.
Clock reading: 7,34
